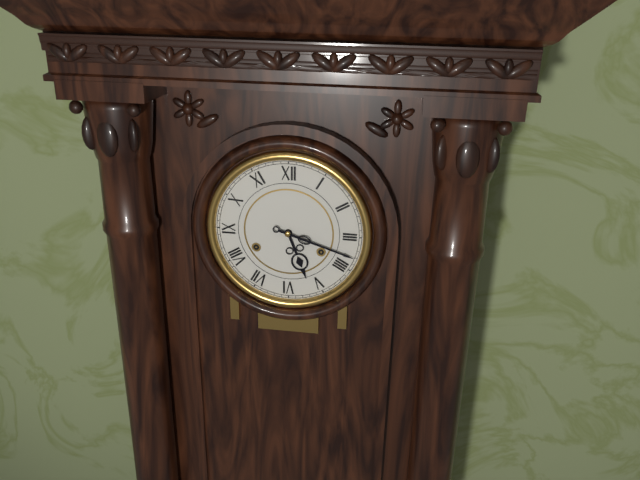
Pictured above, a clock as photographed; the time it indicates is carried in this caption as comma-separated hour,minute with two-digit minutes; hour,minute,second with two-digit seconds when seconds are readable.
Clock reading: 5,18
